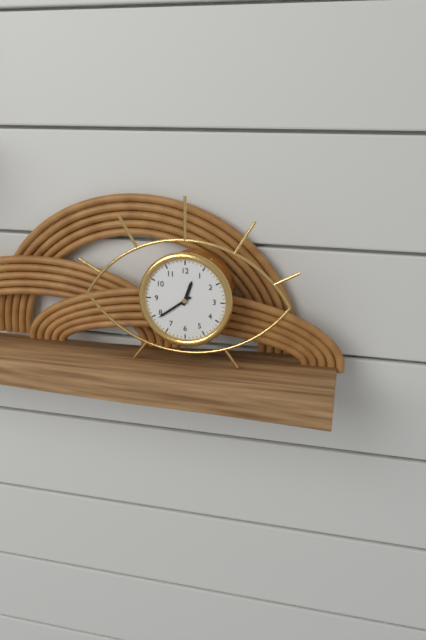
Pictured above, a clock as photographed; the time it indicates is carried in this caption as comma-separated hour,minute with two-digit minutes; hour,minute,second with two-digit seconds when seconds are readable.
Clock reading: 12,39
